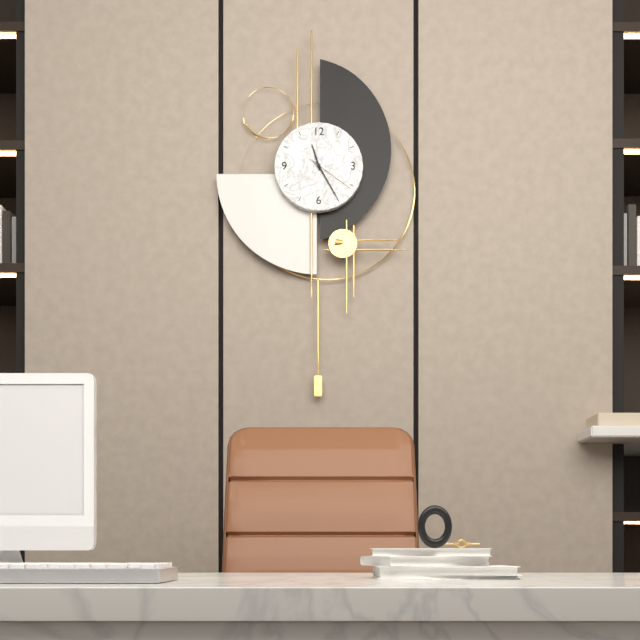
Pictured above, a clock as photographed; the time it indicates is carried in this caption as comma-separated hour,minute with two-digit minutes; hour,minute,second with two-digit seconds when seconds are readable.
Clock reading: 11,25
